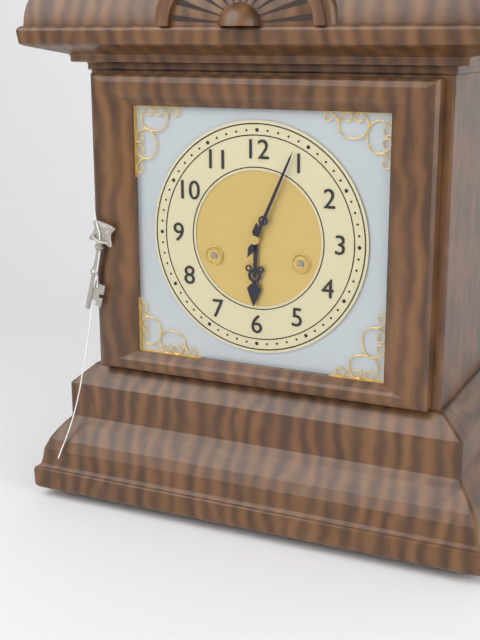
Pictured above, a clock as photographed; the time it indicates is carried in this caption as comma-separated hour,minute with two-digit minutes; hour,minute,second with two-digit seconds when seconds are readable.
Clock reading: 6,04
